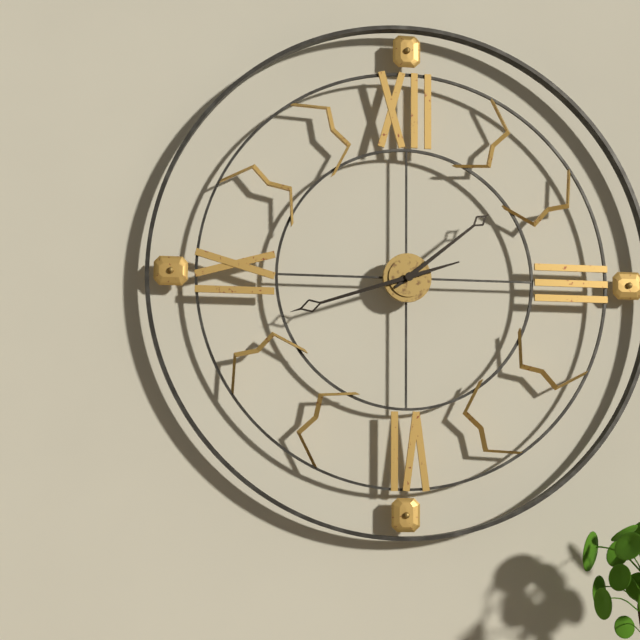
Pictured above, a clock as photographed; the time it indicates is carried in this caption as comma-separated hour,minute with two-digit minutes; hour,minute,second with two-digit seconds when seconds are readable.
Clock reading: 1,42
